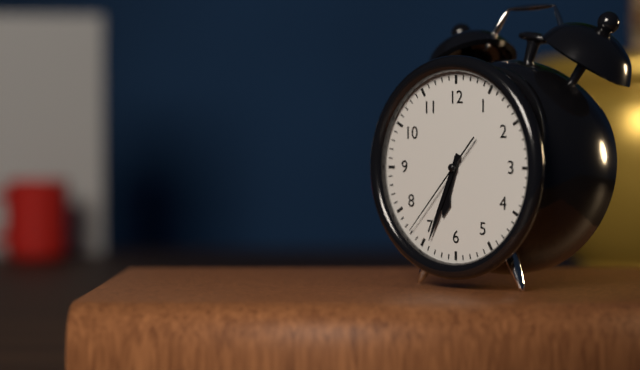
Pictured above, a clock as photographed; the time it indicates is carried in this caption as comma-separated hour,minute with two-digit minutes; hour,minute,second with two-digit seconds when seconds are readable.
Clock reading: 6,34,37
